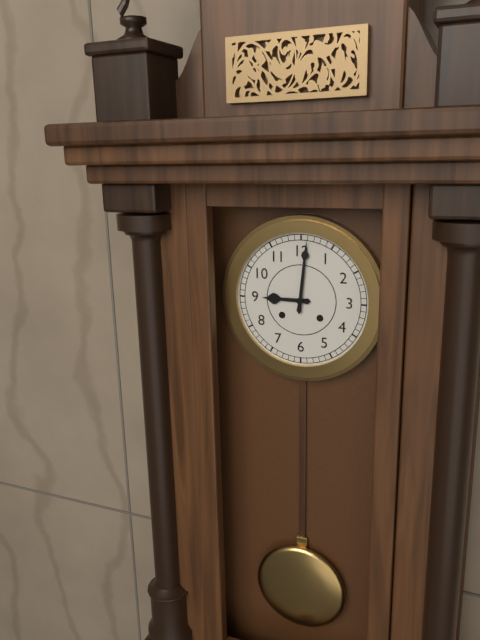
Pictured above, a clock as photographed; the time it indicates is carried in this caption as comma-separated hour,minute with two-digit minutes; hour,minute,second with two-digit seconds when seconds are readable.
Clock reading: 9,01
